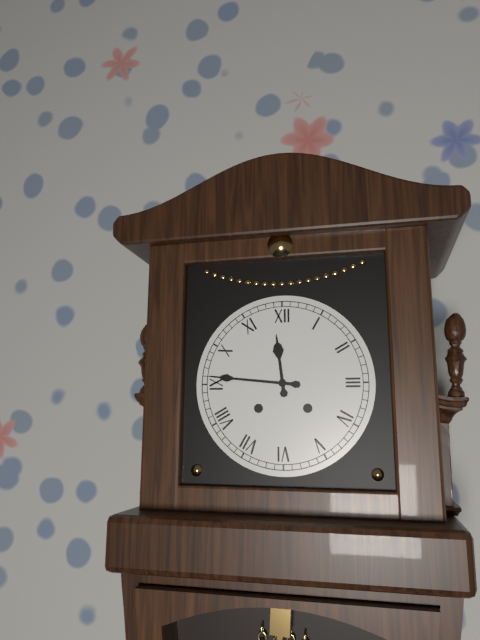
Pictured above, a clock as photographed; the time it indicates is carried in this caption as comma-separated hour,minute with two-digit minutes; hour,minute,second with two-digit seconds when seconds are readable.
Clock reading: 11,46
